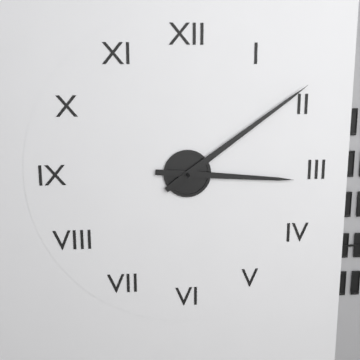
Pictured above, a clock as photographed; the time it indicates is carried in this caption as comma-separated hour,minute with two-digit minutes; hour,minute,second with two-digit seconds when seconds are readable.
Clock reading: 3,09
